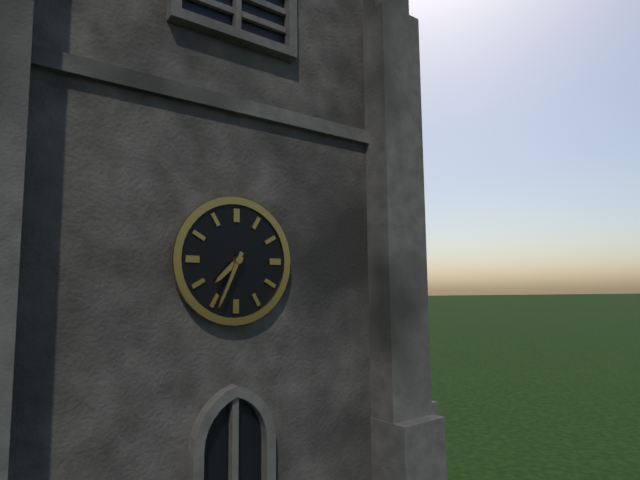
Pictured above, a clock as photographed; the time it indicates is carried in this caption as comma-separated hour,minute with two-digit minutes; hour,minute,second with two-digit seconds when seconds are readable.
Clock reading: 7,34
